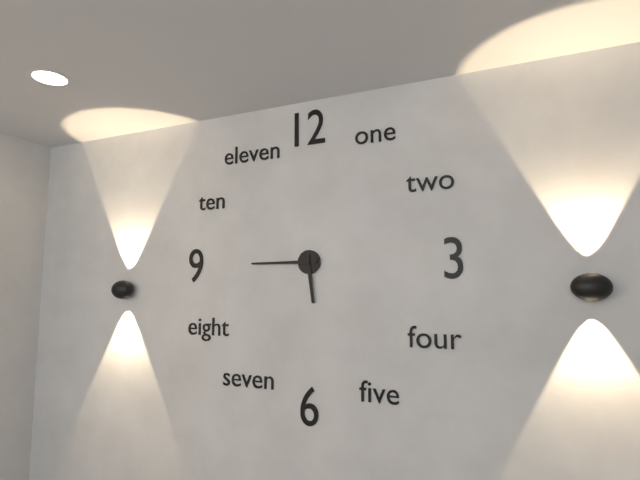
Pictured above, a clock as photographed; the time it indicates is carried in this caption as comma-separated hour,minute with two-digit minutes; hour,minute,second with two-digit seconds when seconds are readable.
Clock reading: 5,45
